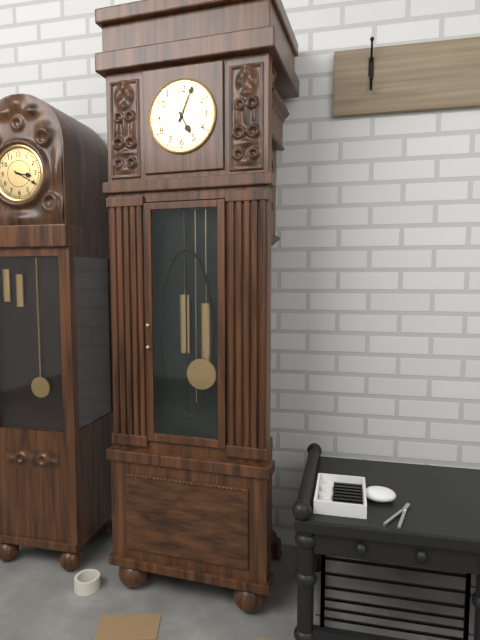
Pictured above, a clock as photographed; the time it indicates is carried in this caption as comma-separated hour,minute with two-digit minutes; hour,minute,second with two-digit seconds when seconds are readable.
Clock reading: 5,04
